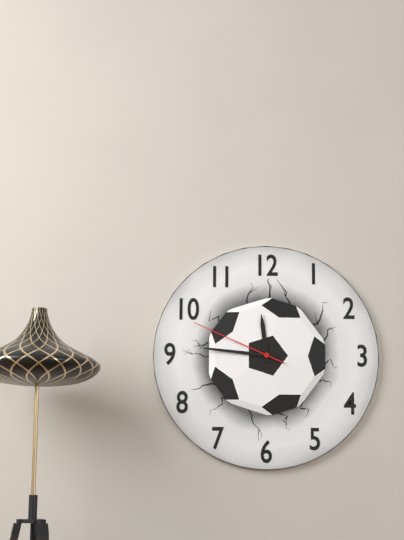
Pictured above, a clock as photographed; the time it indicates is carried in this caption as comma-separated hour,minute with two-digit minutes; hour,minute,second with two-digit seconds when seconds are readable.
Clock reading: 11,46,49
